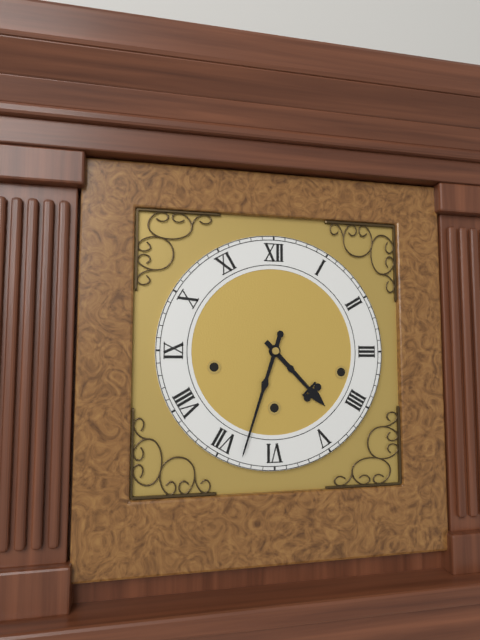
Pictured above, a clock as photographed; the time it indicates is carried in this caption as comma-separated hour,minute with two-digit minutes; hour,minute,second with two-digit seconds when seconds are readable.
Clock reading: 4,33
